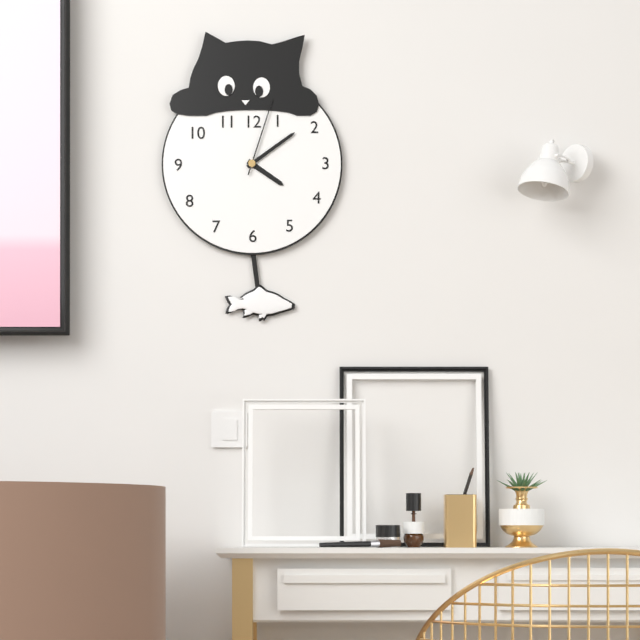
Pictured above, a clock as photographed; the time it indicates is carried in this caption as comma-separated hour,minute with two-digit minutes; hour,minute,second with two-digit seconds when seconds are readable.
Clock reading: 4,09,03
